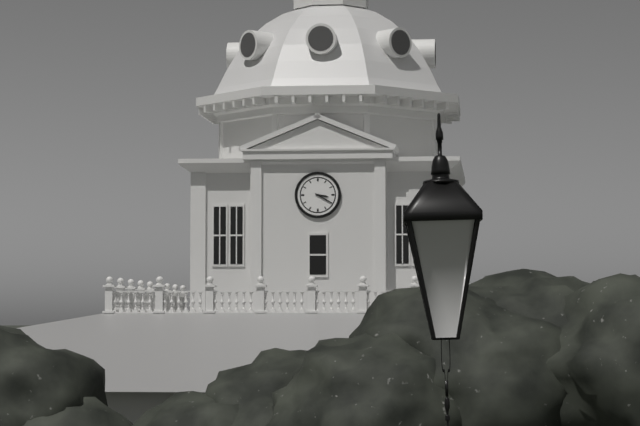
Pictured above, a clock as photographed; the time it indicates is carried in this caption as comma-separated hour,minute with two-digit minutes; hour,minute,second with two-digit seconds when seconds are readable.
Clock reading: 3,20
